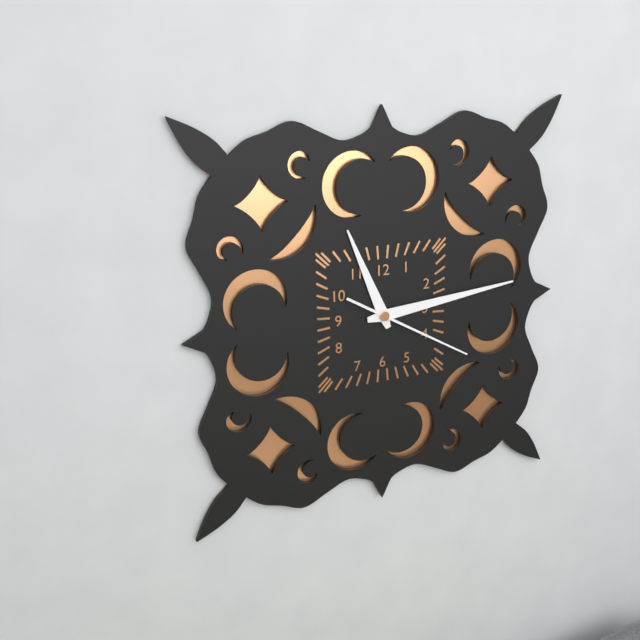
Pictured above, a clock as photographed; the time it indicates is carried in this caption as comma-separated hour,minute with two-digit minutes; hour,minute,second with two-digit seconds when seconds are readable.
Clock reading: 11,14,20
